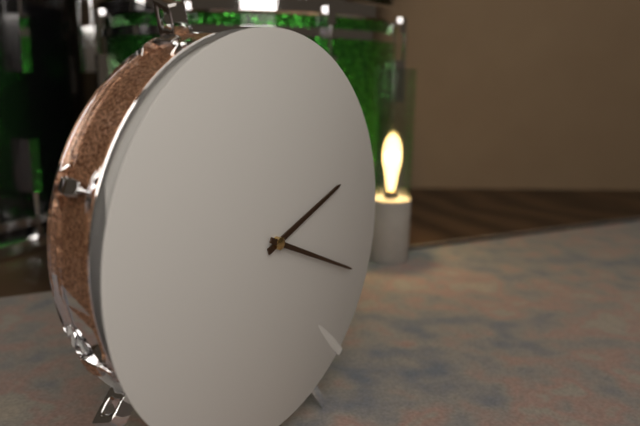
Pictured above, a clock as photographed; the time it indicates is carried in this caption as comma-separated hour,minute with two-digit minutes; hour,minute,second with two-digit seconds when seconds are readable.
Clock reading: 2,19
